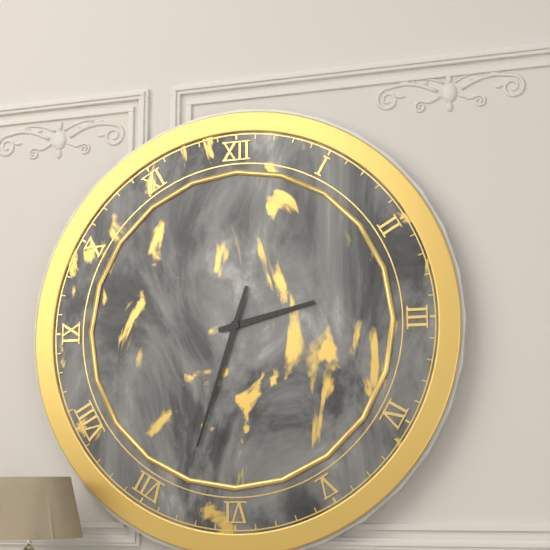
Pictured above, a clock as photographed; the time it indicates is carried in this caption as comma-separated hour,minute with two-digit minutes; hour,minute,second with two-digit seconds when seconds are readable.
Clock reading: 2,33
